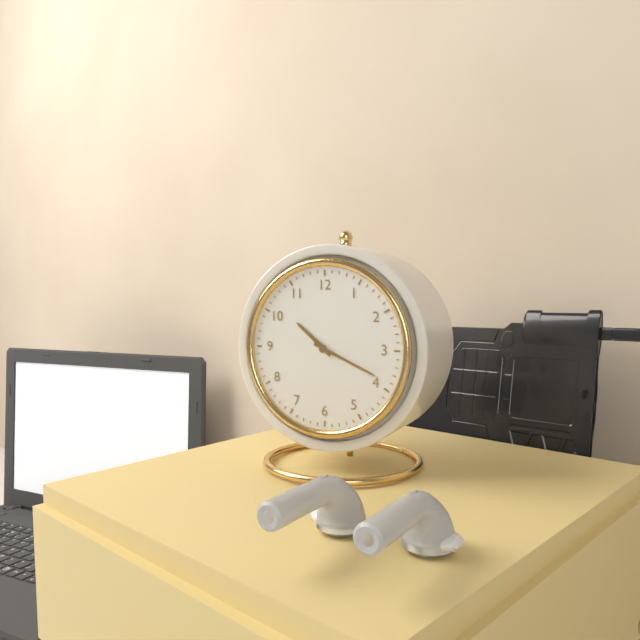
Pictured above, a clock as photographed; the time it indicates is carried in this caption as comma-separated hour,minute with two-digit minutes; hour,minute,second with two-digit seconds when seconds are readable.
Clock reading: 10,19
